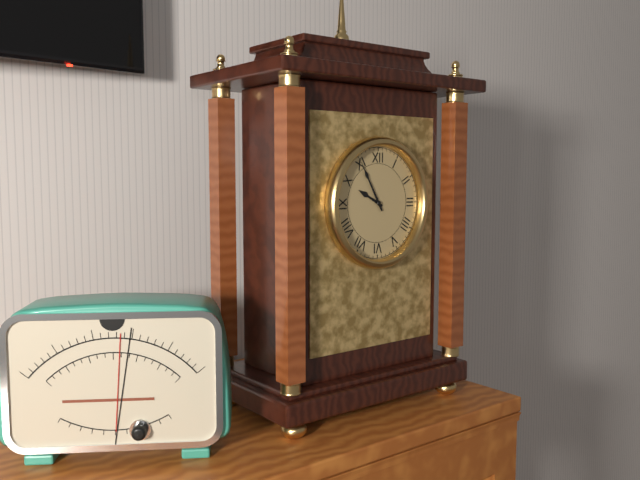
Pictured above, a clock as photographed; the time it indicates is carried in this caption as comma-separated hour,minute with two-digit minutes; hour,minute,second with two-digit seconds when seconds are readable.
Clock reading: 9,55
